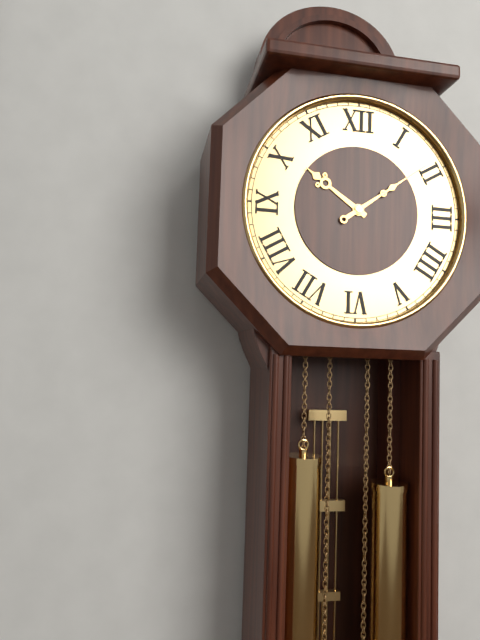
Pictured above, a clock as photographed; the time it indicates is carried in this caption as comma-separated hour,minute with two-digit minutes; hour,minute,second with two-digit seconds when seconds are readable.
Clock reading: 10,09
